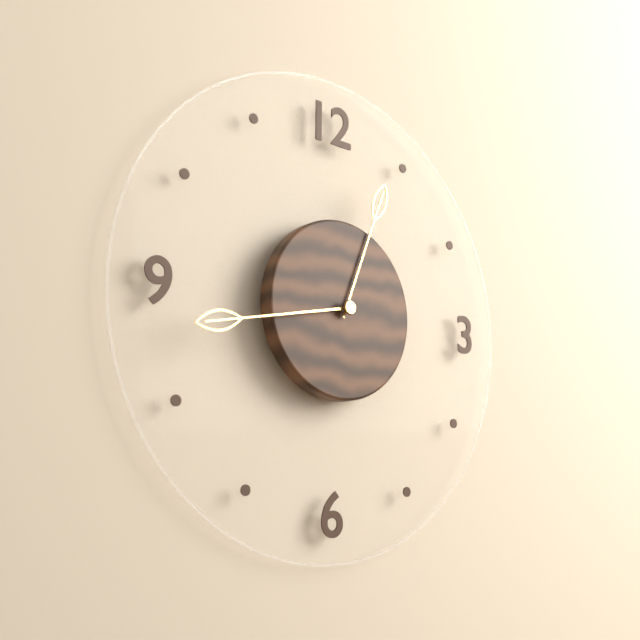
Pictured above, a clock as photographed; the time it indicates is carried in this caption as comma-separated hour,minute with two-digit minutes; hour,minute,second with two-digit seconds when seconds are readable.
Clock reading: 12,43
